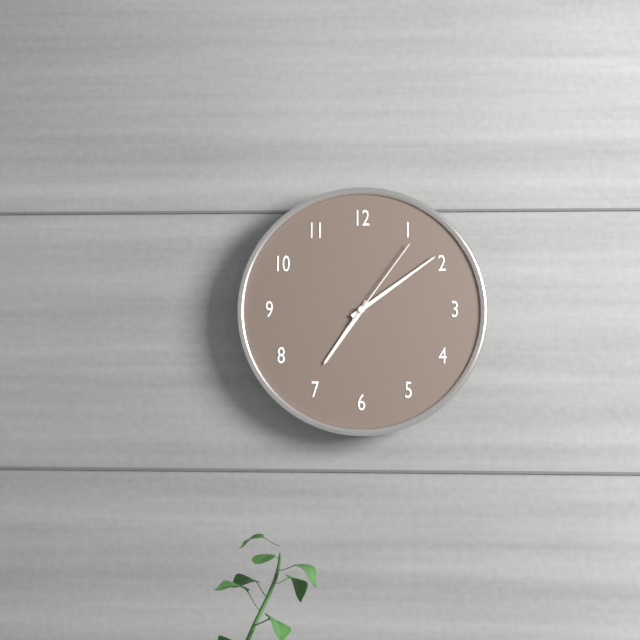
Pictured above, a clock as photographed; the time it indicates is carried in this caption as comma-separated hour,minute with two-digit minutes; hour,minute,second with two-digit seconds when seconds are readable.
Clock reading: 7,09,06
